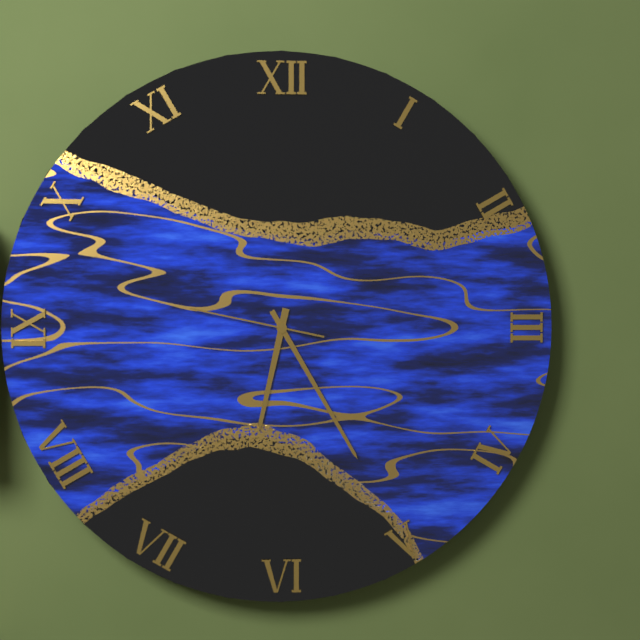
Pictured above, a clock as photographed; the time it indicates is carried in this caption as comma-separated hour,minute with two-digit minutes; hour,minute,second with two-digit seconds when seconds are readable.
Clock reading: 6,25,47
